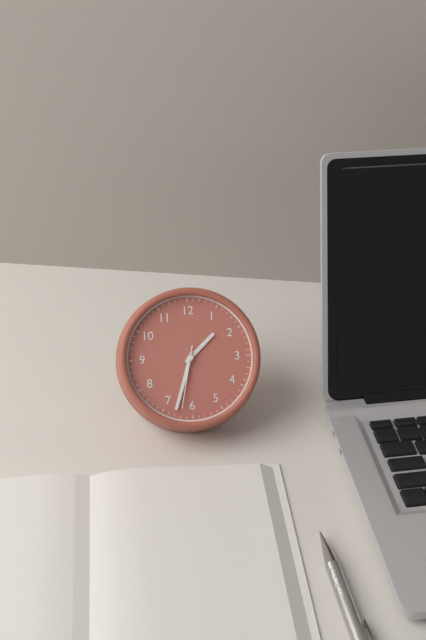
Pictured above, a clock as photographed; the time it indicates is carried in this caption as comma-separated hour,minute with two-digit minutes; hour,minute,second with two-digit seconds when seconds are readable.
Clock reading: 1,33,32
